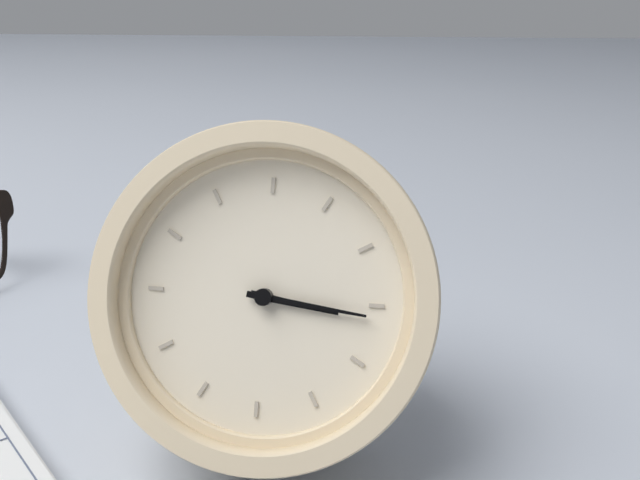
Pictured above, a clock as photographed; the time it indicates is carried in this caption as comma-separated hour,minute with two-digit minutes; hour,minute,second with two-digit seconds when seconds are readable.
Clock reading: 3,16
